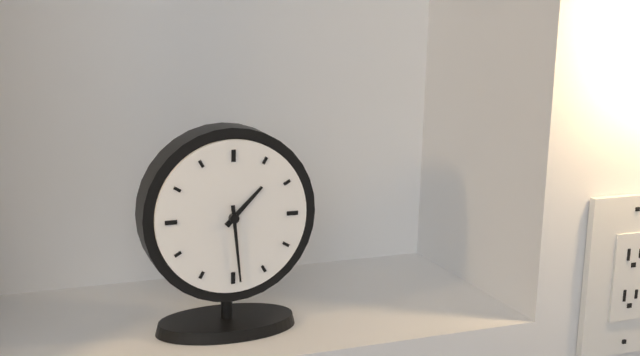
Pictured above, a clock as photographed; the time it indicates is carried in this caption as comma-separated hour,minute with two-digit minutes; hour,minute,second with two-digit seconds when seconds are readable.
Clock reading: 1,29
